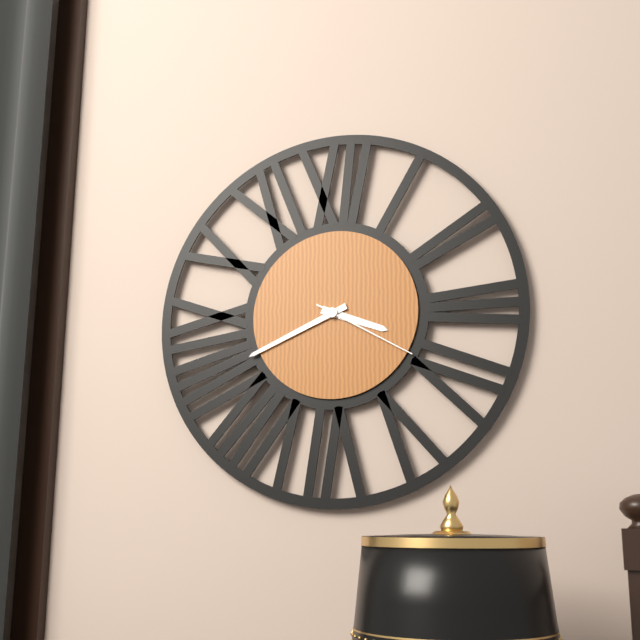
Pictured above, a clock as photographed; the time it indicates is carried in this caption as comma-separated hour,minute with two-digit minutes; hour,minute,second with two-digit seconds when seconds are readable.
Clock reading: 3,41,20
